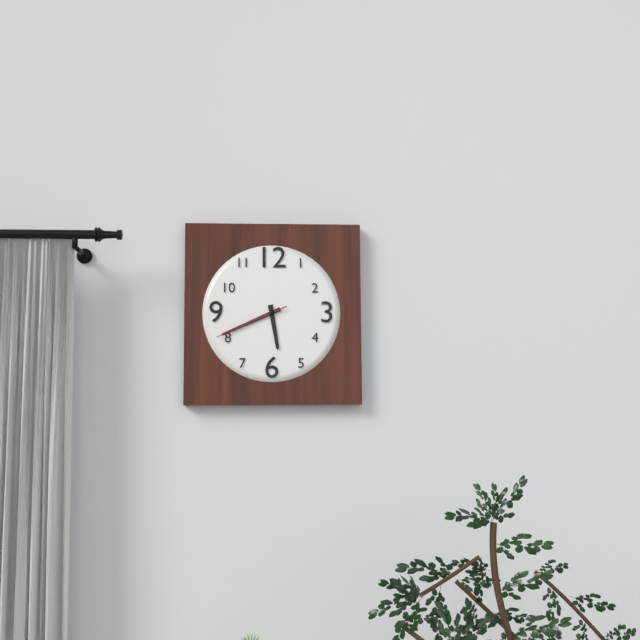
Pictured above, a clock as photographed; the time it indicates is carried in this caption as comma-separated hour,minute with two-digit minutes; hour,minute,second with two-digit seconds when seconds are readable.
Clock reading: 5,41,41
